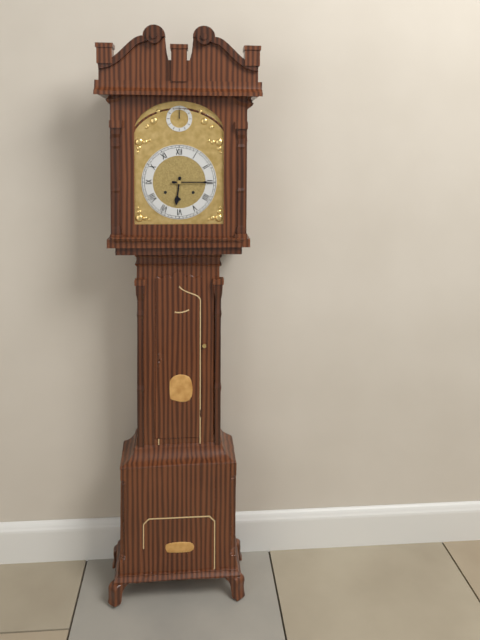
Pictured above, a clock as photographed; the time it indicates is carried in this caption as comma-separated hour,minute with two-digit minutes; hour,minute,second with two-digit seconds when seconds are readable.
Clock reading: 6,15
